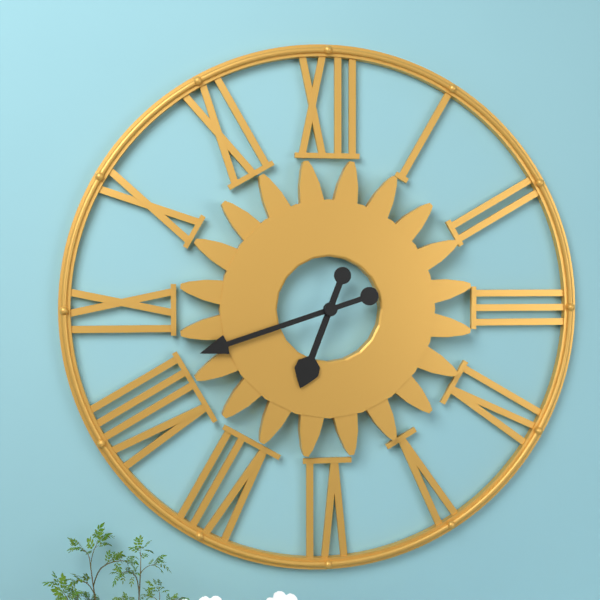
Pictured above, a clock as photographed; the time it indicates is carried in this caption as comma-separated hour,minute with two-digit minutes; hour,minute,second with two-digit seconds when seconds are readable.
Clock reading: 6,42
